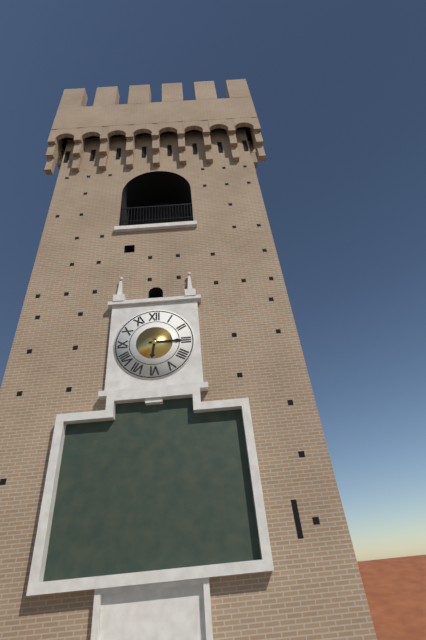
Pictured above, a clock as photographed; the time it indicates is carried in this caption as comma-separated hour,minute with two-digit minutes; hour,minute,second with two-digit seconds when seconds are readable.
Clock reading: 6,15
